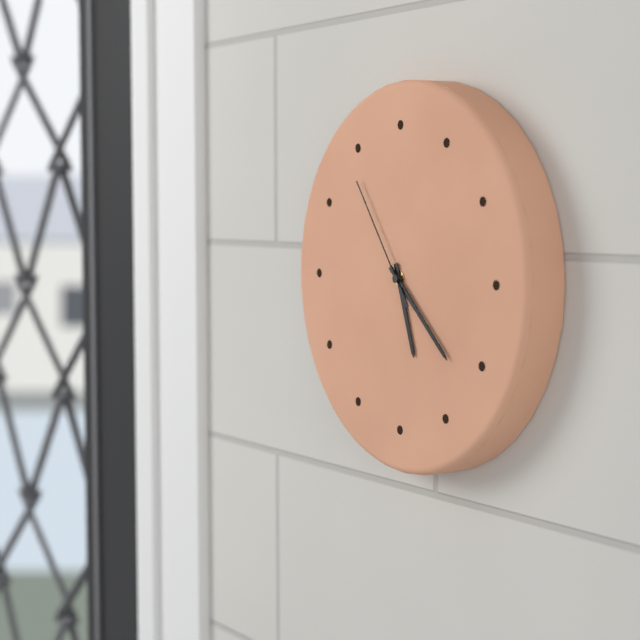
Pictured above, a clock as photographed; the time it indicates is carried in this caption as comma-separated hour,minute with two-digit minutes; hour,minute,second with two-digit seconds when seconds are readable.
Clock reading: 5,22,54
